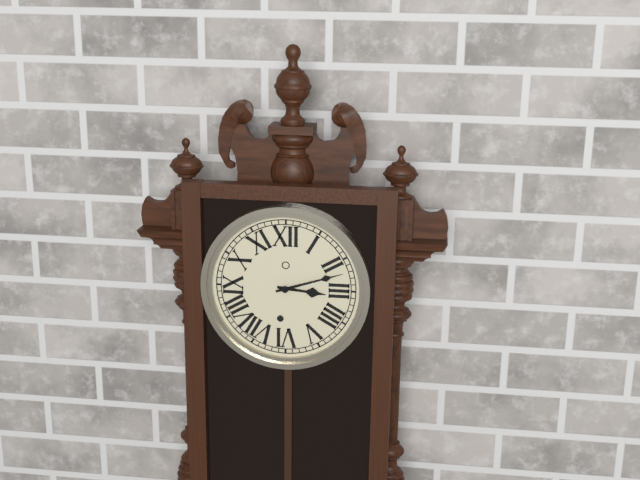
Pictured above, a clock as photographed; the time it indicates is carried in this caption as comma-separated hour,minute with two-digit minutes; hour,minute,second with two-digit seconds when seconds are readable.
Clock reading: 3,12
